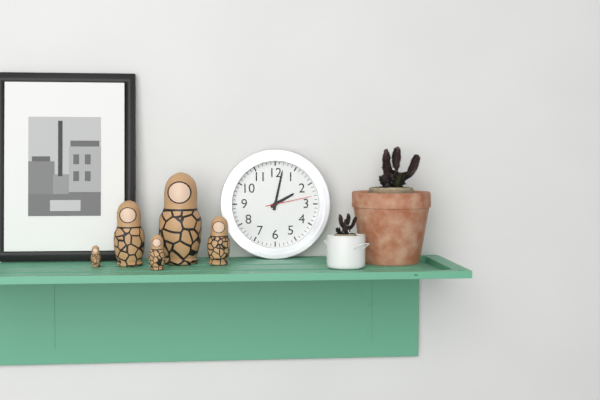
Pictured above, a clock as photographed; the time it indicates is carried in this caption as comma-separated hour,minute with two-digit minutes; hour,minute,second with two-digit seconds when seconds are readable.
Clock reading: 2,02
